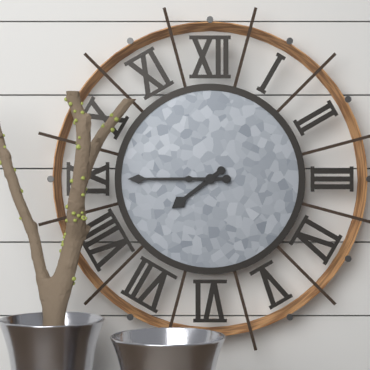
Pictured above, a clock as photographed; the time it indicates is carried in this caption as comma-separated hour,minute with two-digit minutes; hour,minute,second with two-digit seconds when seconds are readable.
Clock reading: 7,45
